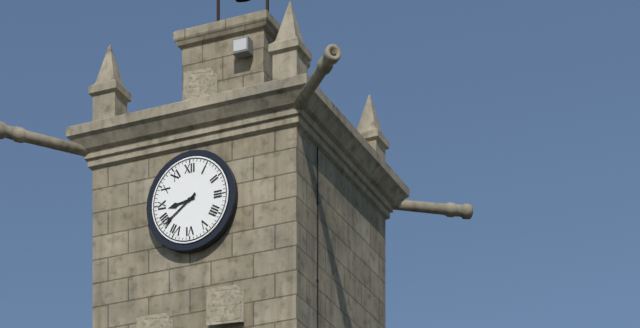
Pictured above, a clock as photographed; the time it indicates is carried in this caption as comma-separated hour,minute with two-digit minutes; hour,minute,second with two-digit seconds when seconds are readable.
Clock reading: 8,39
